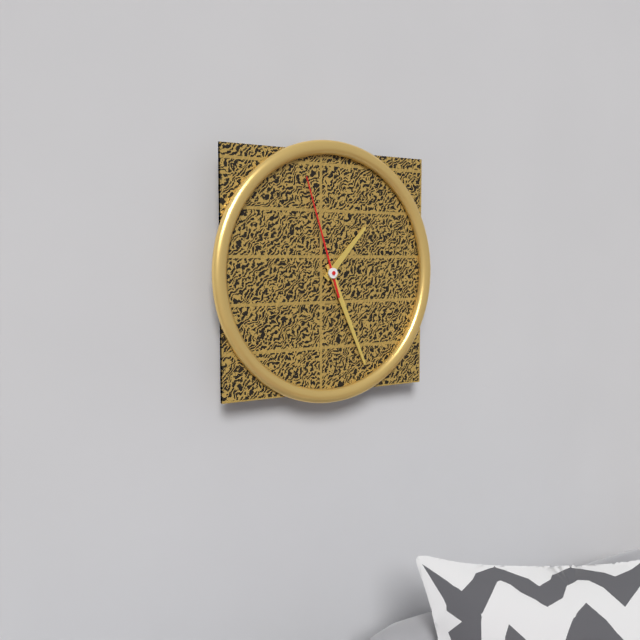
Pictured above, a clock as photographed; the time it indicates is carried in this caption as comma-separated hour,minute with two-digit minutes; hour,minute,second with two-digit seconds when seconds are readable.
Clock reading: 1,26,57
